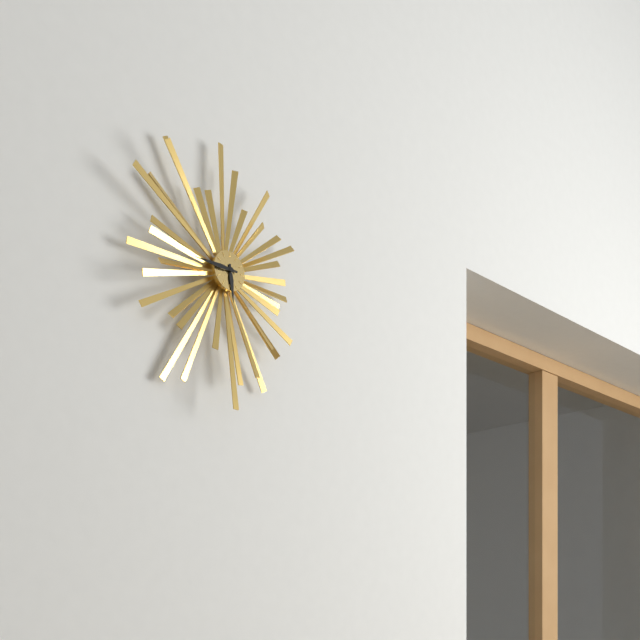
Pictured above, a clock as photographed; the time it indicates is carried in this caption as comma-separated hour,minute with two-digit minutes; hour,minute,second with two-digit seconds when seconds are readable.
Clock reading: 5,45
